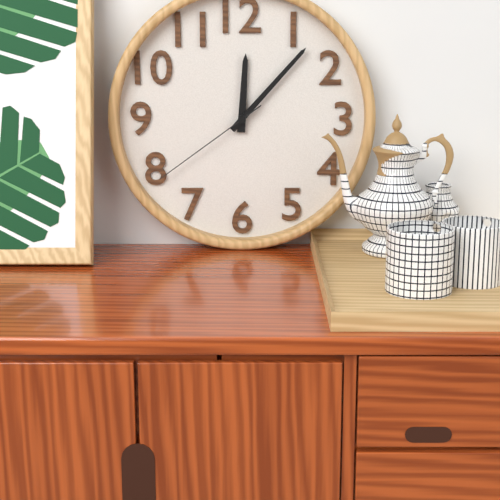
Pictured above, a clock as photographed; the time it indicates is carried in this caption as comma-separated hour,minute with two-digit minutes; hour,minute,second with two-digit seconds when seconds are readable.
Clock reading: 12,07,39
